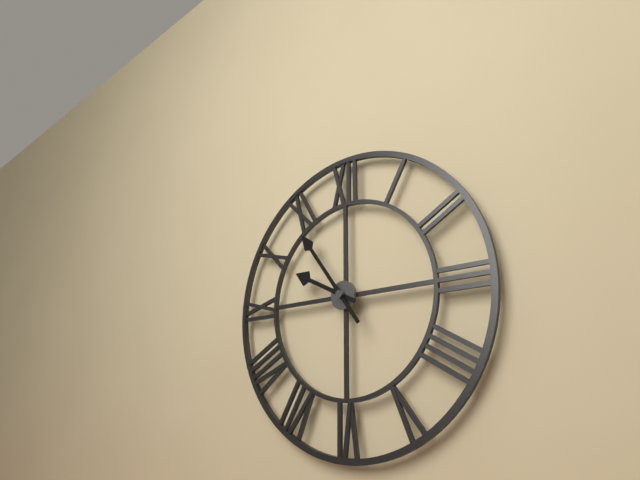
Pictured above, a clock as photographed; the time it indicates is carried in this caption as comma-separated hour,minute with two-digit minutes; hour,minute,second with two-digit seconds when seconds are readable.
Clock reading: 9,54
